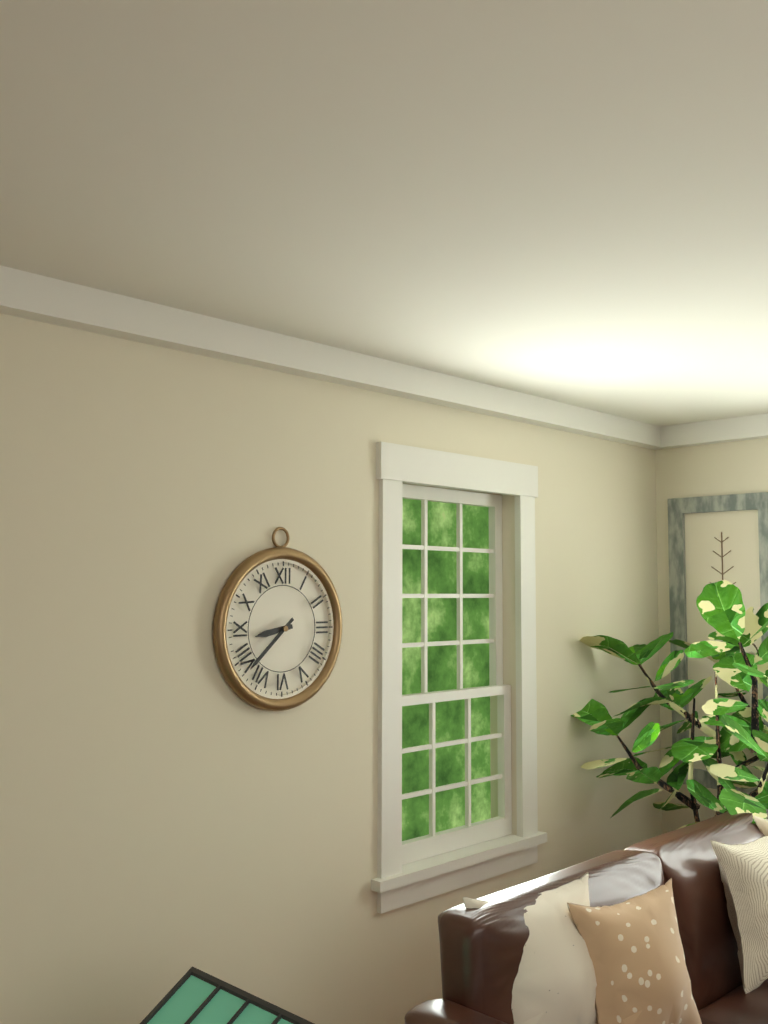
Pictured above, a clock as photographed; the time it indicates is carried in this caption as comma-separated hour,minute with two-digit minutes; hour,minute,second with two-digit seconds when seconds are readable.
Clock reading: 8,38
